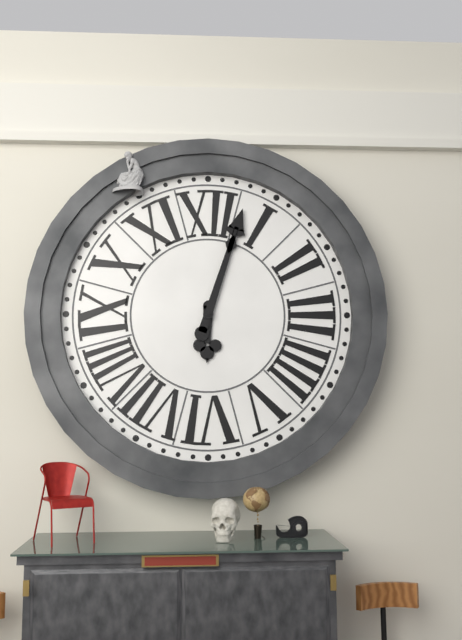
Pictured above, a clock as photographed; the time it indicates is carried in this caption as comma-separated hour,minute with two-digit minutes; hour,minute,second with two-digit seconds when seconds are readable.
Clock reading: 6,03
